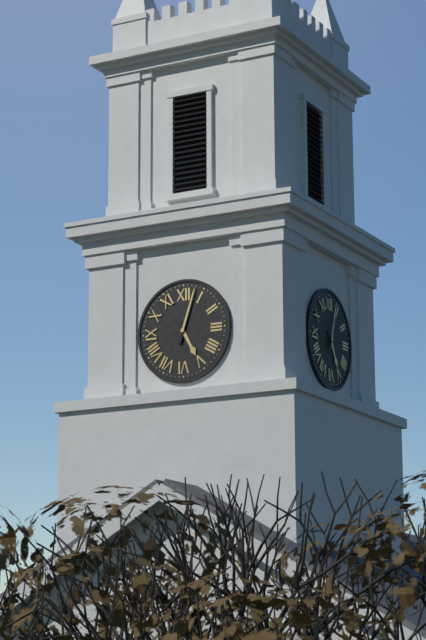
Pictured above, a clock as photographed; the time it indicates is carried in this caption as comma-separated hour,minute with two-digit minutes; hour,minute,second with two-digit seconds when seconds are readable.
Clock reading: 5,03
